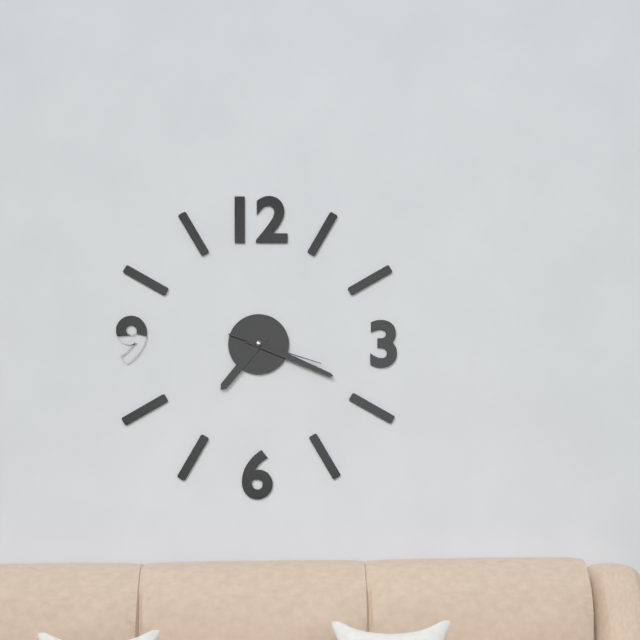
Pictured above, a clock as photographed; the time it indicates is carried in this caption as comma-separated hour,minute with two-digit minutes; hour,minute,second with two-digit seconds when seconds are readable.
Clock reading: 7,19,18
